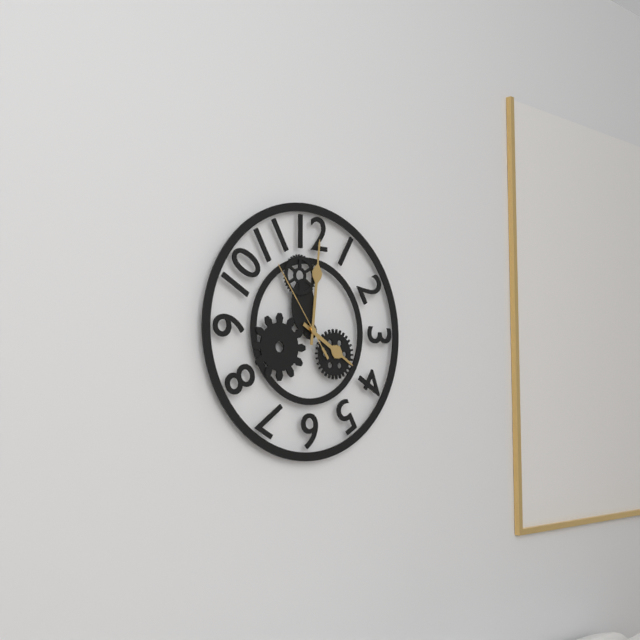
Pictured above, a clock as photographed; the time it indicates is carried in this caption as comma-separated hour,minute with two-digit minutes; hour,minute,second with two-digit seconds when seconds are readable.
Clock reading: 4,01,54
